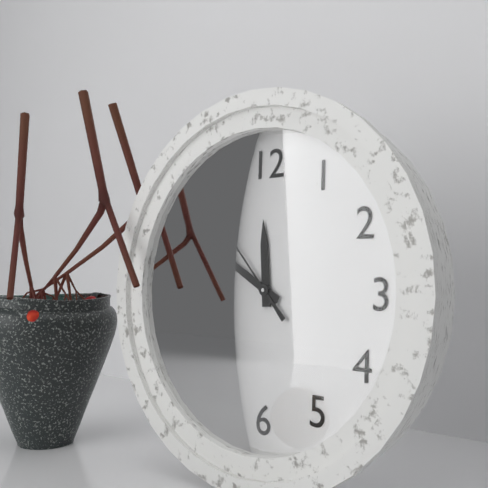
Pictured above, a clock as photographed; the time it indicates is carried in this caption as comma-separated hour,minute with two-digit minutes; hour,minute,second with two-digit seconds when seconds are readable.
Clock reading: 11,50,53
